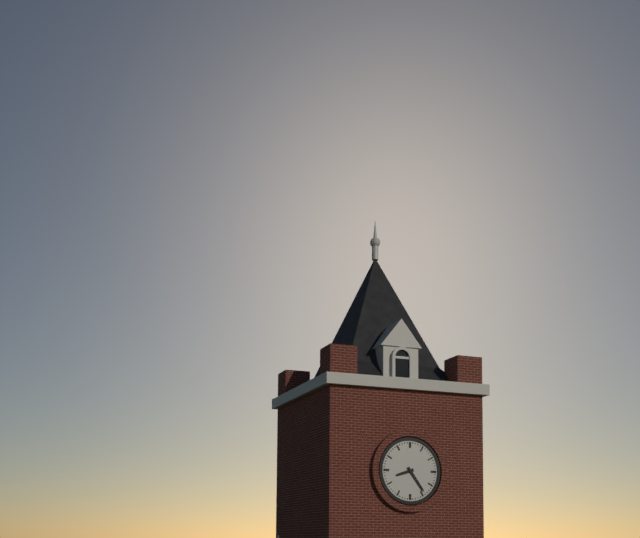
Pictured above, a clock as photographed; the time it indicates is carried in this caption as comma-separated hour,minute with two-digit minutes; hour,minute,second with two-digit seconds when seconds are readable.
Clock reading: 8,24
